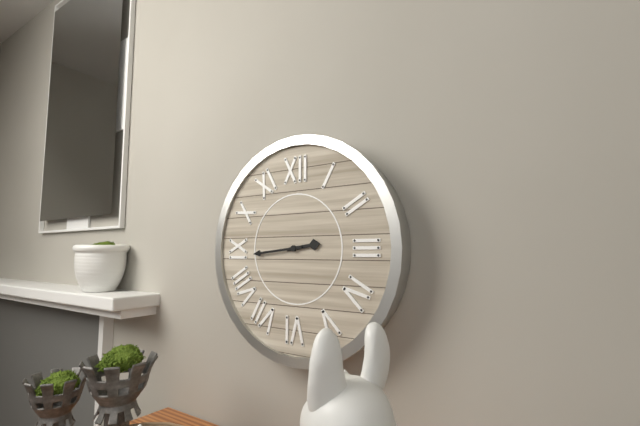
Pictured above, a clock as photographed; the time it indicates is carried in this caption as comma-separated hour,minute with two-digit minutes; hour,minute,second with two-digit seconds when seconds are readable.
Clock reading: 2,44
